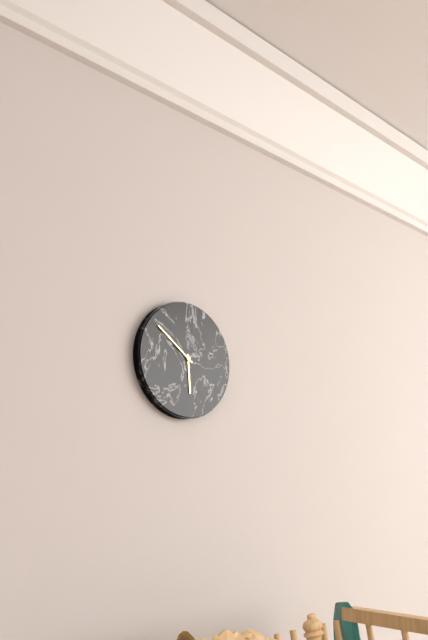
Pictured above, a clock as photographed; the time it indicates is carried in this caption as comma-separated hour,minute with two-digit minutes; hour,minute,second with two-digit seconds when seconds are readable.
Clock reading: 5,51
